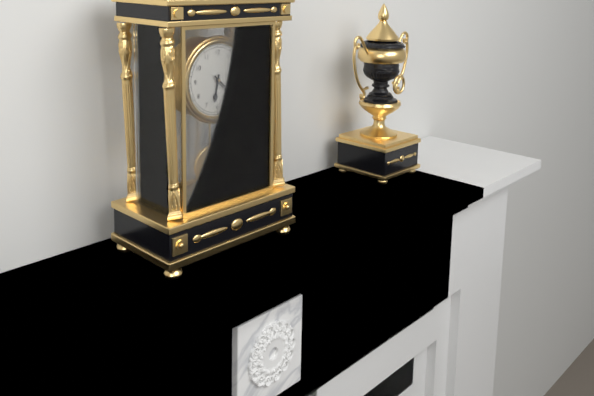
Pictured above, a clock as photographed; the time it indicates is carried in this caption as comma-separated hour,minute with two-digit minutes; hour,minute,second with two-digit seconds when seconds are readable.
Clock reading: 6,22
